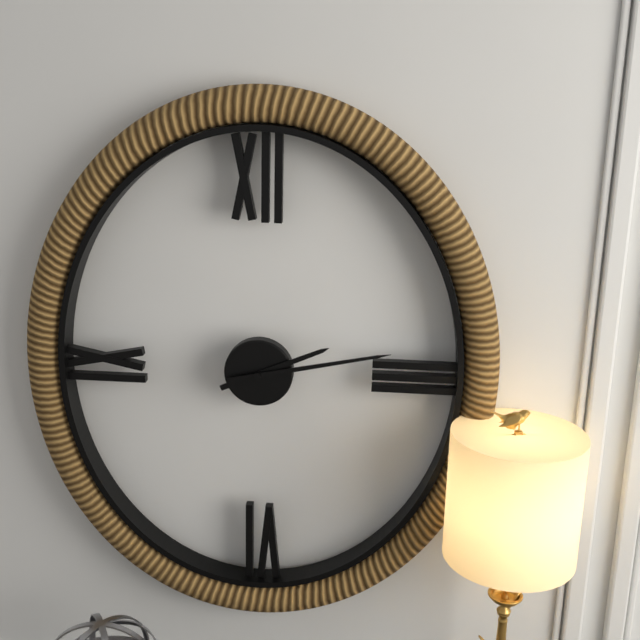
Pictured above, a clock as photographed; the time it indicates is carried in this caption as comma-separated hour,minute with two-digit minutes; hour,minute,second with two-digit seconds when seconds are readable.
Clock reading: 2,13
